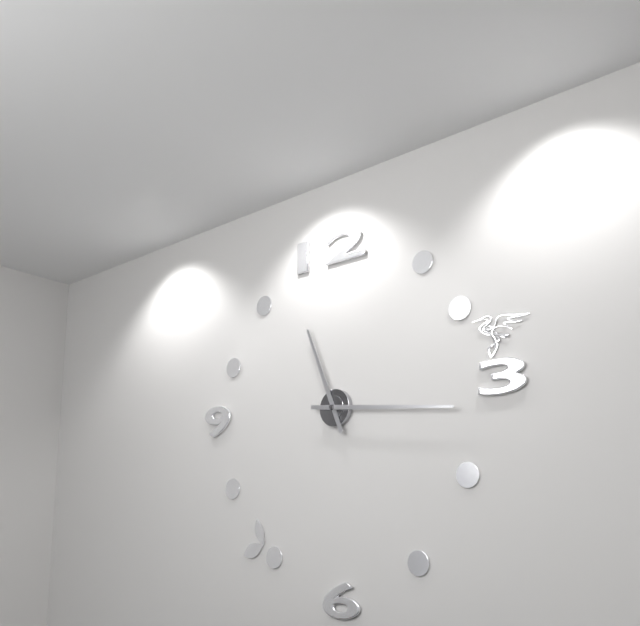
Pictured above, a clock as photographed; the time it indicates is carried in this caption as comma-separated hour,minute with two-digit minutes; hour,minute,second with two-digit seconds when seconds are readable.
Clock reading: 11,16
